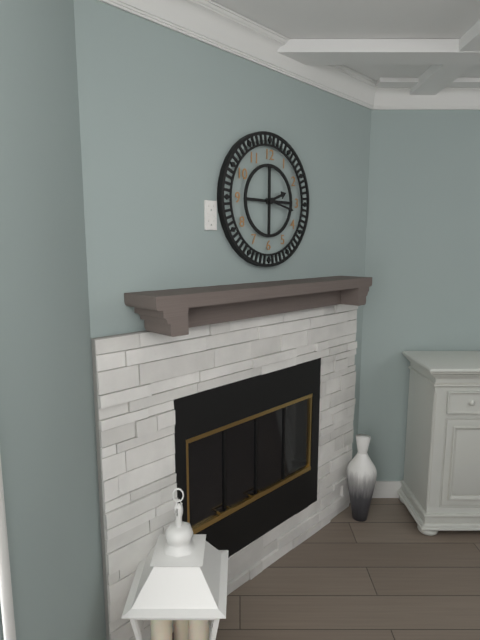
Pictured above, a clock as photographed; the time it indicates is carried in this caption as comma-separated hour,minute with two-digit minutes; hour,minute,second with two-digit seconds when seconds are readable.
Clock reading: 2,17
